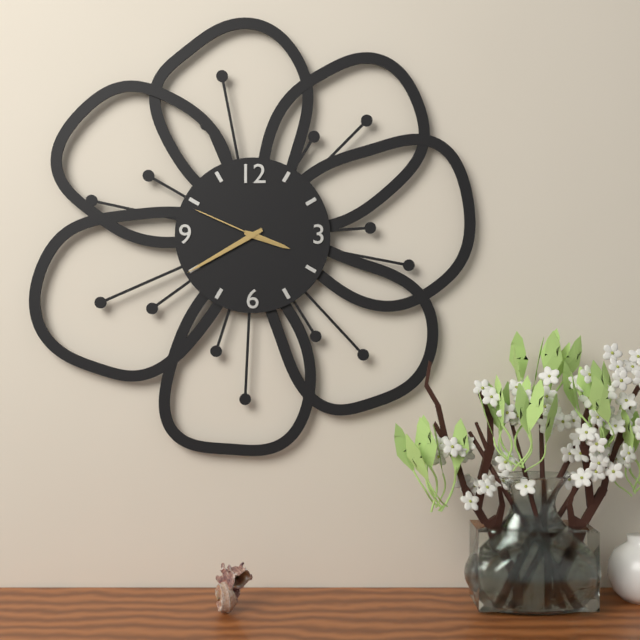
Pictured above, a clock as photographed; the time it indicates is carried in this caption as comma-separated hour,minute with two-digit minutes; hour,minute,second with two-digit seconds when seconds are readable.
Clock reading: 3,40,49
